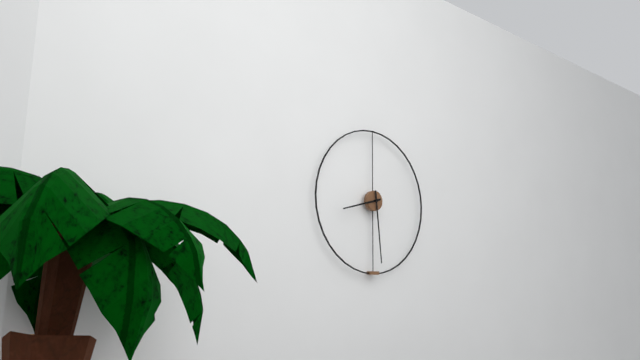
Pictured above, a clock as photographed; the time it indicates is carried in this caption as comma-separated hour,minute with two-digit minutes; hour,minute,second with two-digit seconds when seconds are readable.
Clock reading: 8,29
